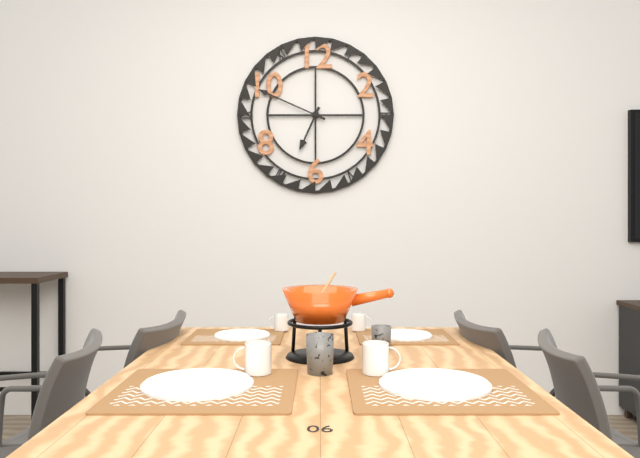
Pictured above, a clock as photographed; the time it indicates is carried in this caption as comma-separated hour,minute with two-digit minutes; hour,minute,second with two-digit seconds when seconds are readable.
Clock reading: 6,49
